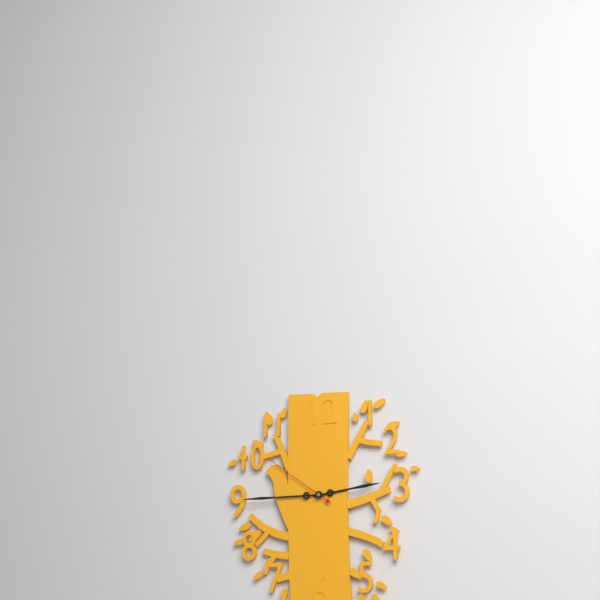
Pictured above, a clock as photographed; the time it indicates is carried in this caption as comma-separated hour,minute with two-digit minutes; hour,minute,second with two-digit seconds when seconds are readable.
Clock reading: 2,45,51
